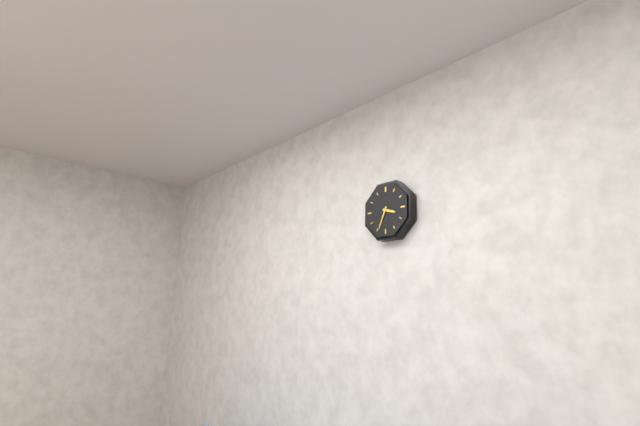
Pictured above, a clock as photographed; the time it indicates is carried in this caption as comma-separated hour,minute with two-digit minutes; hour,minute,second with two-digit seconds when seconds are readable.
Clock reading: 3,34
